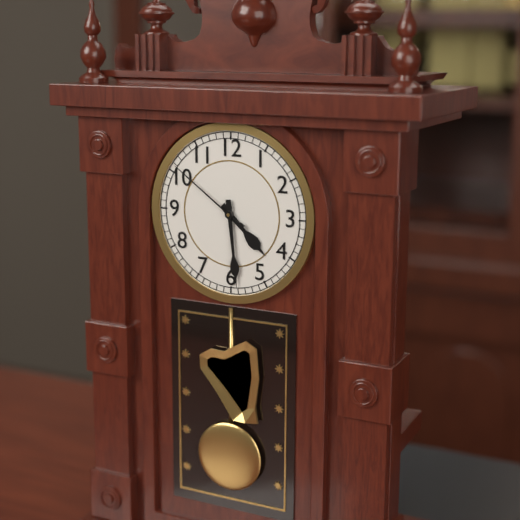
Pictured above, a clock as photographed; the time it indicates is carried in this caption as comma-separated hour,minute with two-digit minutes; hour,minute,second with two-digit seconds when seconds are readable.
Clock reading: 4,29,51
